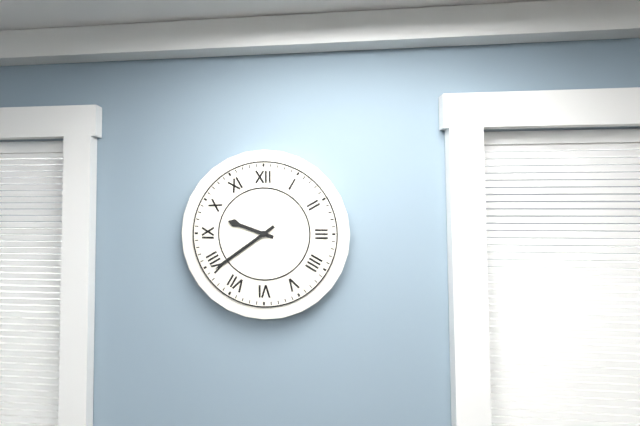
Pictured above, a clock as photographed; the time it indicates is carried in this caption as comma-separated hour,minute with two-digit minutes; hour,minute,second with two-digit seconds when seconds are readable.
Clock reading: 9,39
